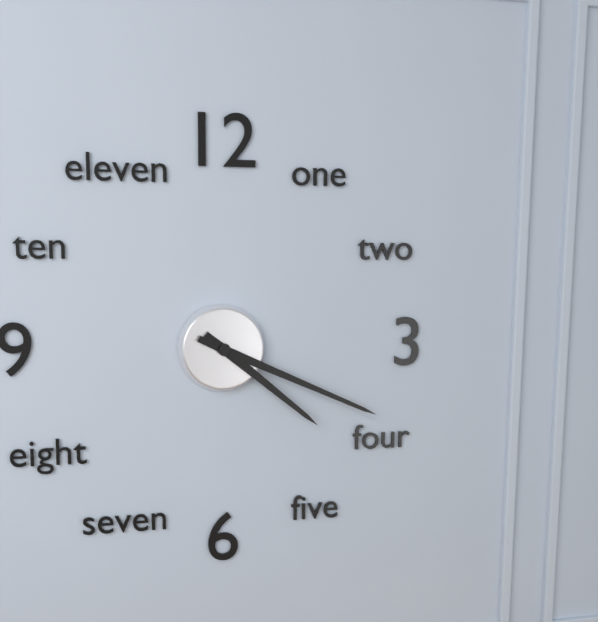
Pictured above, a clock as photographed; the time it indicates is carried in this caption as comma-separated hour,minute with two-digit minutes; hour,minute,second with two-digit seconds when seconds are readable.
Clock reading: 4,19
